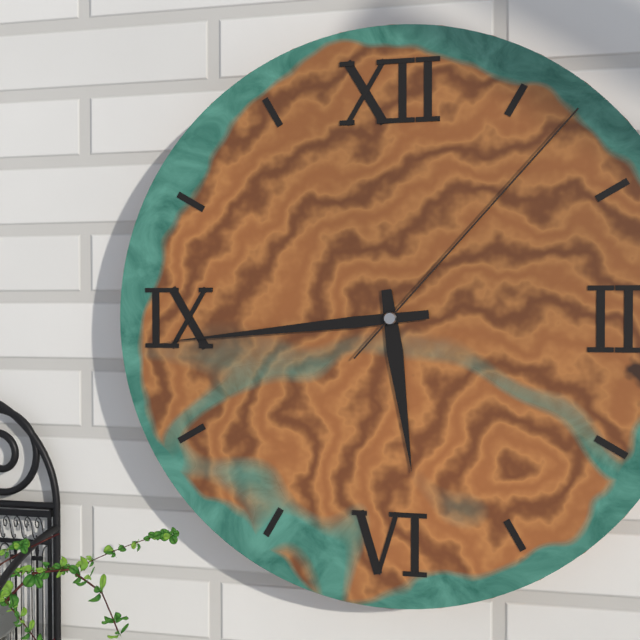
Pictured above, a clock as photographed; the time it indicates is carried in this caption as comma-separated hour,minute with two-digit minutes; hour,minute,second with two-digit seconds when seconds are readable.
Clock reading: 5,44,07
